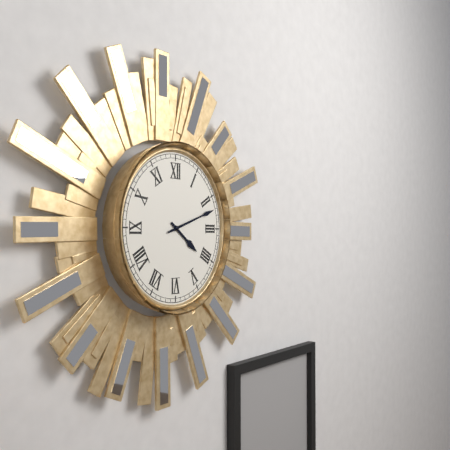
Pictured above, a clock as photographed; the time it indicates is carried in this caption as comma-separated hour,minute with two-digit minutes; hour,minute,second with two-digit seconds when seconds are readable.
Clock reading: 4,12
